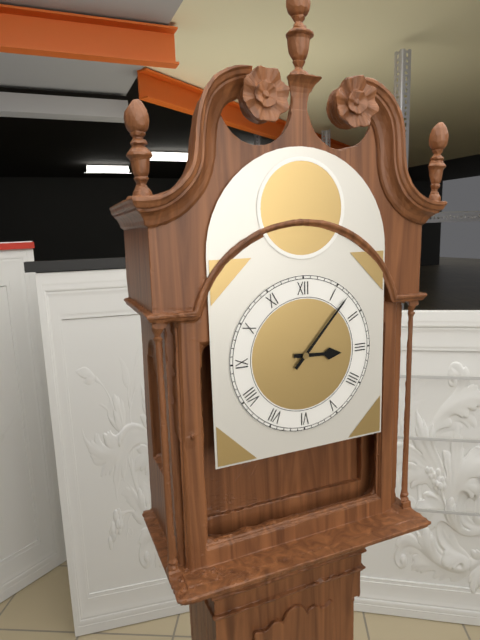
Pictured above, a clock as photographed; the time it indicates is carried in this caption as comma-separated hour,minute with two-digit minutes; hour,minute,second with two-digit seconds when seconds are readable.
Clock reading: 3,07
